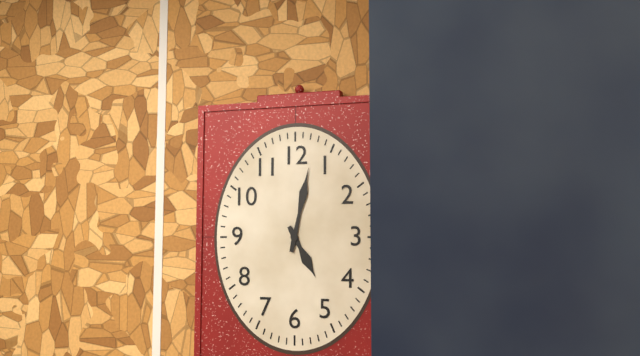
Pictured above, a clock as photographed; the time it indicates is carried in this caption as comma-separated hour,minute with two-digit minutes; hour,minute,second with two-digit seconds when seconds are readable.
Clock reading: 5,02
